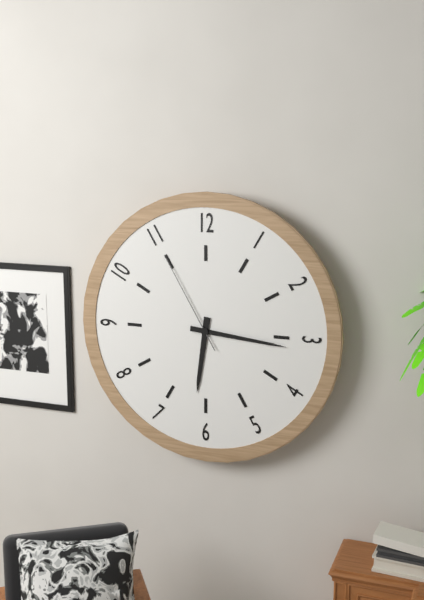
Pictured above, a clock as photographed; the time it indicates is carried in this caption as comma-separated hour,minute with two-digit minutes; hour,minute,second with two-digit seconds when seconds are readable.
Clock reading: 6,16,55
